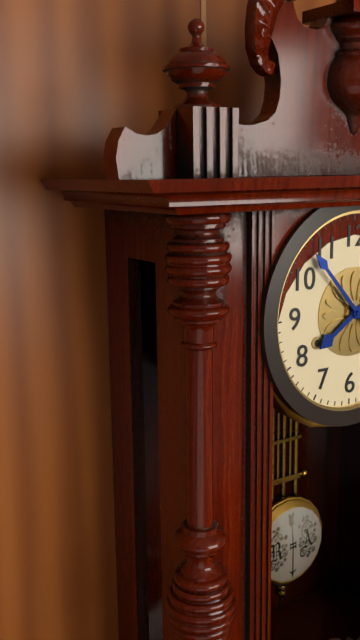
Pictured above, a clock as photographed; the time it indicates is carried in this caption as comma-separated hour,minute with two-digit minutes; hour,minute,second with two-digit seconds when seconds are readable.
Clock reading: 7,53
